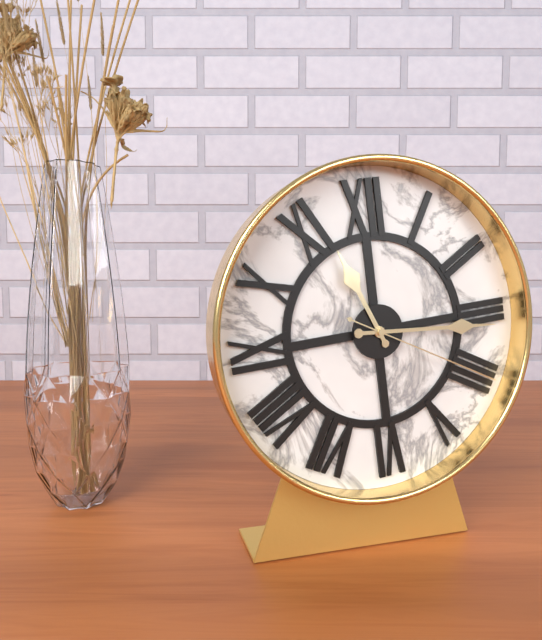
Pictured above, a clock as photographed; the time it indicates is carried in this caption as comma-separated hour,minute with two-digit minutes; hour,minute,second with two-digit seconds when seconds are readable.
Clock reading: 11,16,20
